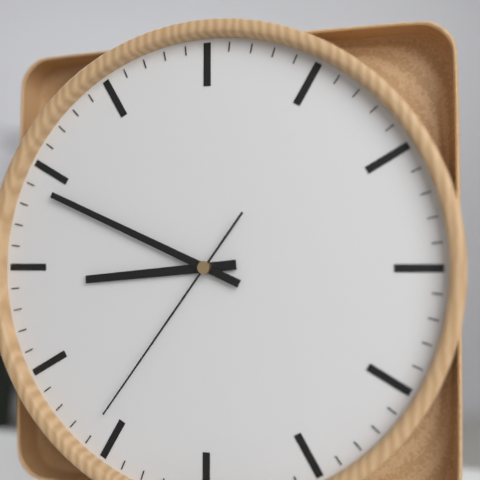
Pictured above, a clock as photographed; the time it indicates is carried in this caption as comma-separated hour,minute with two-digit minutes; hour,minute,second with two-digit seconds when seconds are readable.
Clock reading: 8,49,36
